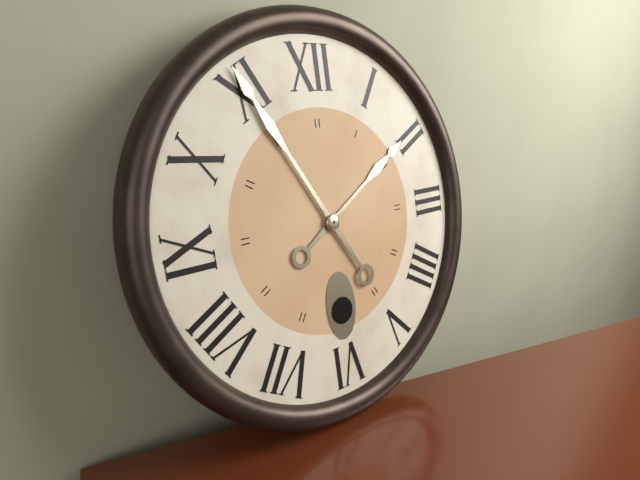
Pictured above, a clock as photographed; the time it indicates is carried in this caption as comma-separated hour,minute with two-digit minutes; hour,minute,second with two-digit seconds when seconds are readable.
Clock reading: 1,55
